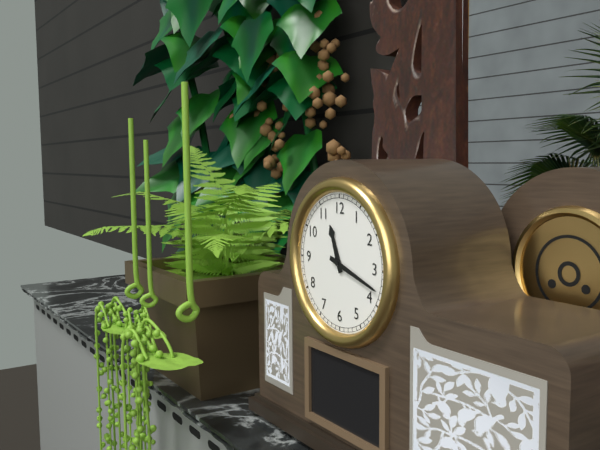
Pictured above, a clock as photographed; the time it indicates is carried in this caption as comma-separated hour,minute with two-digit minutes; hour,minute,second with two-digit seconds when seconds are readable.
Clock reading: 11,18
